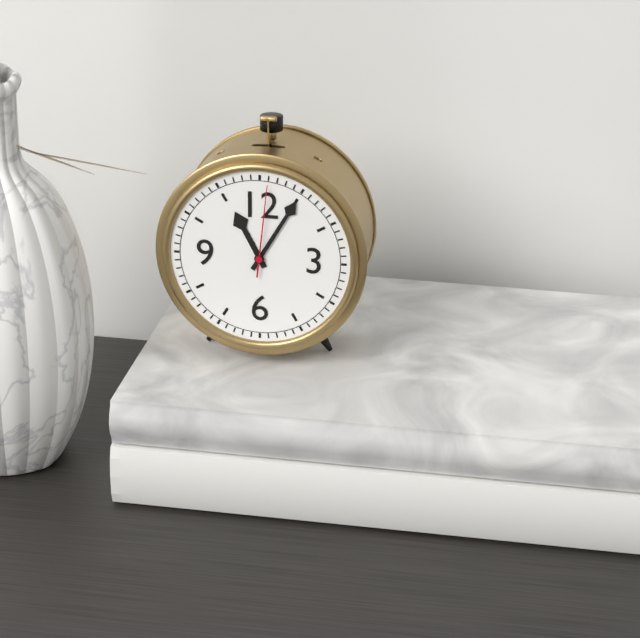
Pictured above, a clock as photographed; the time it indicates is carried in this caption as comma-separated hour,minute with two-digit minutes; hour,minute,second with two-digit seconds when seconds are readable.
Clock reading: 11,05,01
